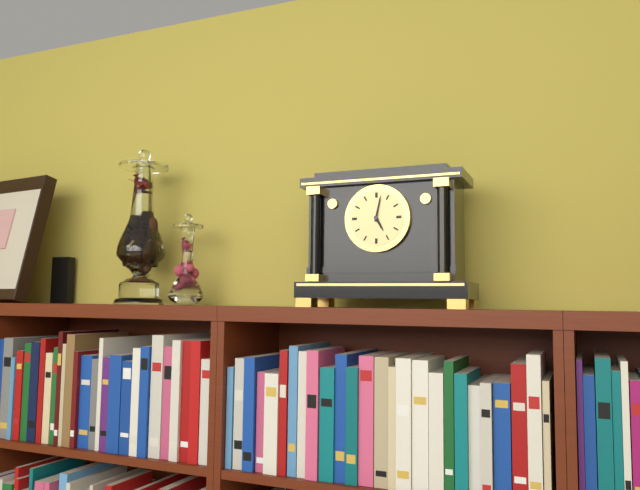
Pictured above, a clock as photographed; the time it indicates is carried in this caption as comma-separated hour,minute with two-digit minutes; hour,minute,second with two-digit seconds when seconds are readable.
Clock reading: 5,02
